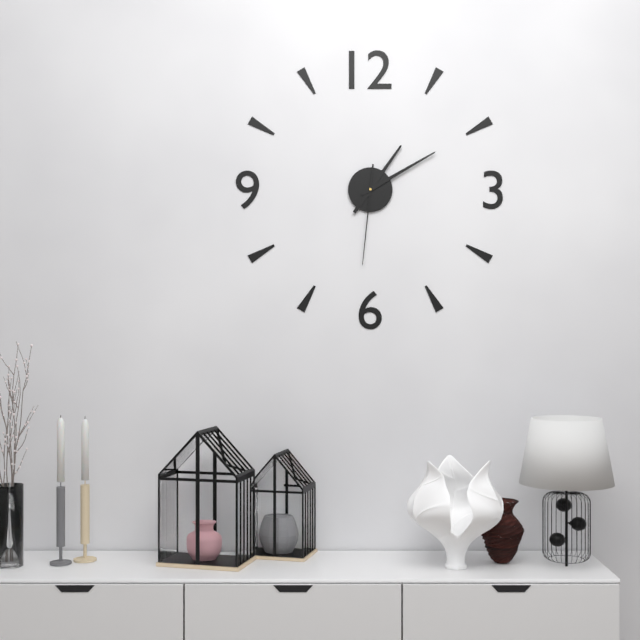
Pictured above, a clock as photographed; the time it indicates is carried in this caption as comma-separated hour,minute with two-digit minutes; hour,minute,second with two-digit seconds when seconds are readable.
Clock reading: 1,10,31
